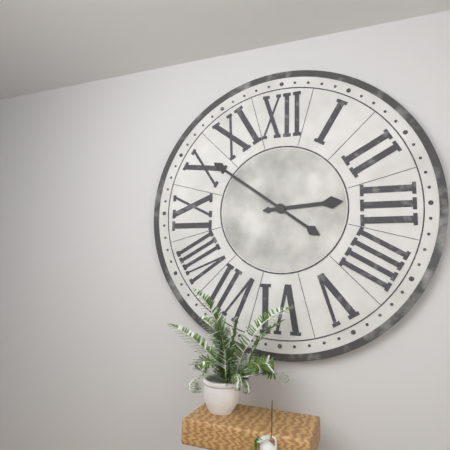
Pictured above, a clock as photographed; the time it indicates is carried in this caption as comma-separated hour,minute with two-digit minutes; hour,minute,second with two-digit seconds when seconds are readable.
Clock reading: 2,51
